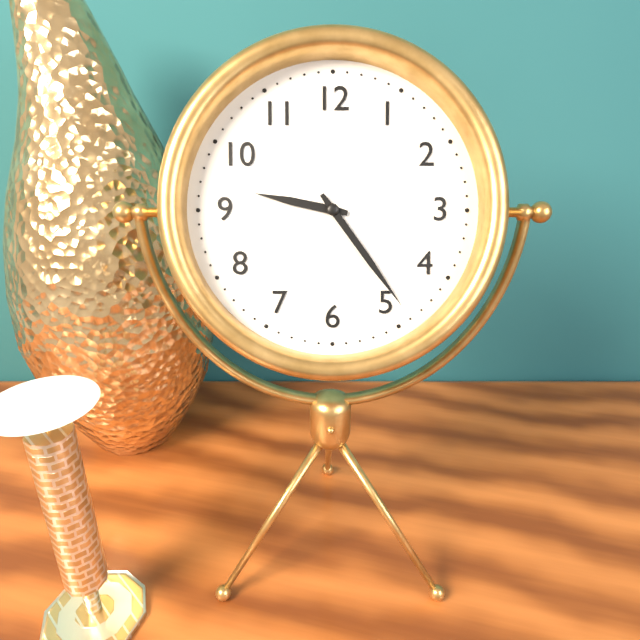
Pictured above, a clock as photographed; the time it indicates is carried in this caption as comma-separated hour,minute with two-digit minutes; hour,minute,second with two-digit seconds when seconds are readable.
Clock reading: 9,24
